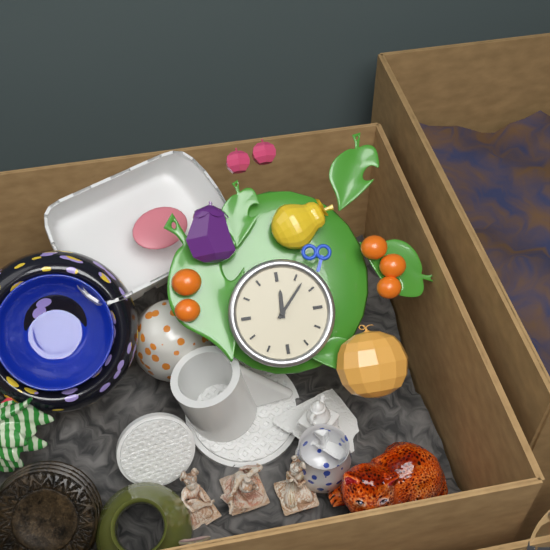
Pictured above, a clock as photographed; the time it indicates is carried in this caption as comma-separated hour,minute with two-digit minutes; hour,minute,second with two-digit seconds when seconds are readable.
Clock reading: 12,07
